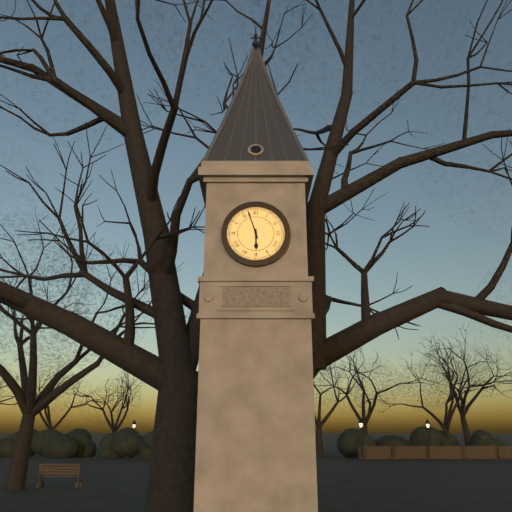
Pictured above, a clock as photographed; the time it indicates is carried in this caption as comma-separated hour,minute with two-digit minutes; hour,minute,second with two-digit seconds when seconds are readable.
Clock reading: 5,57
